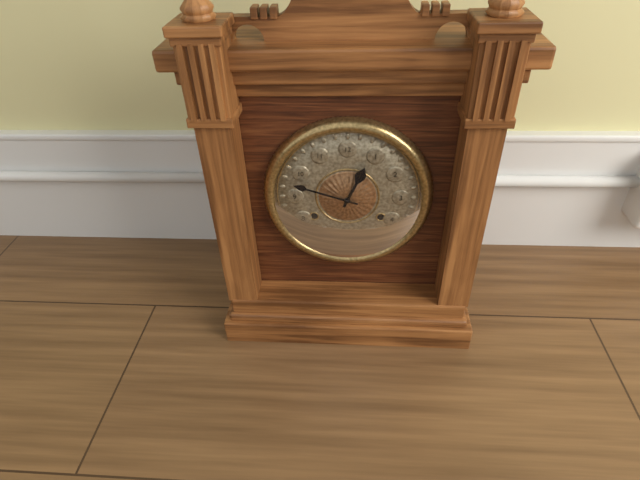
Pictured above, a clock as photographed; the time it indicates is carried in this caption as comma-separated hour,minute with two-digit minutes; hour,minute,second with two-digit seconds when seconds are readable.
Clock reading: 12,48
